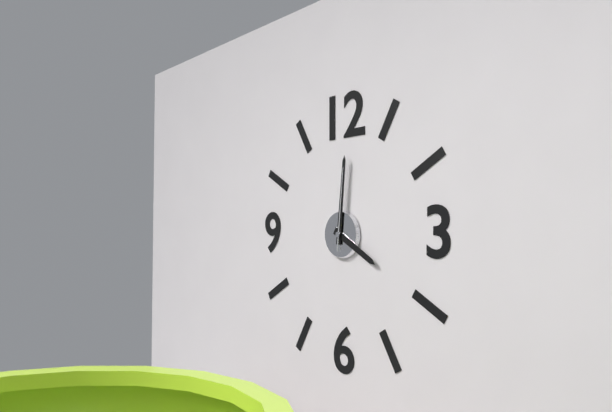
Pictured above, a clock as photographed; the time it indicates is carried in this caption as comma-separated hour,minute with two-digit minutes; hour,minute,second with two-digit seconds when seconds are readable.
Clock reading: 4,01,01
